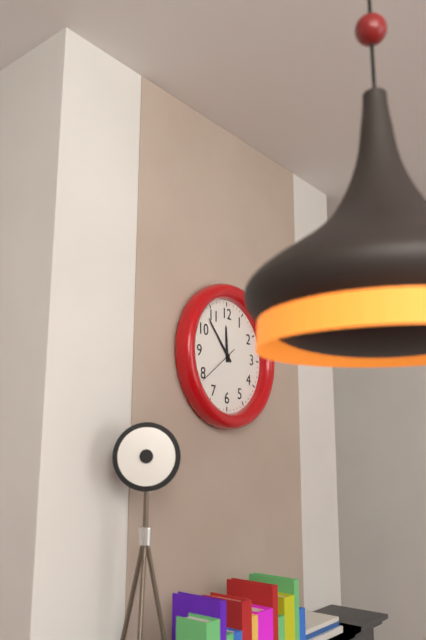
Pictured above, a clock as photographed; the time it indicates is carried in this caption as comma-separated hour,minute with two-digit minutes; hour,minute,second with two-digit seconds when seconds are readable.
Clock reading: 11,53
